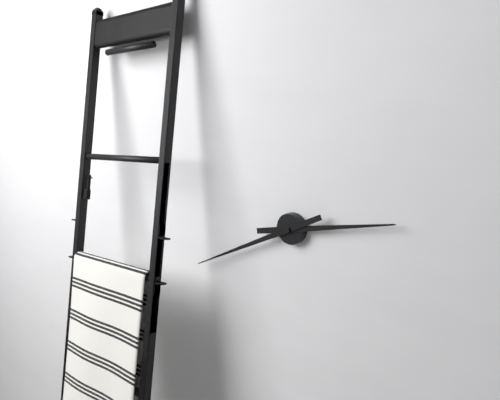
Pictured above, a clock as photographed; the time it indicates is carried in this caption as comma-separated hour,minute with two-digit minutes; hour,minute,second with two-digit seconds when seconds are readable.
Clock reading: 2,41
